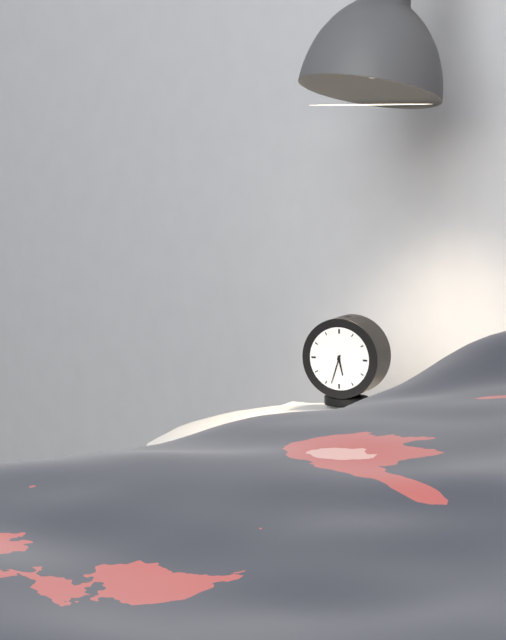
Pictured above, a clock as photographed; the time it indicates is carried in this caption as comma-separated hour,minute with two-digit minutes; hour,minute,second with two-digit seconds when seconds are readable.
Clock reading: 5,33
